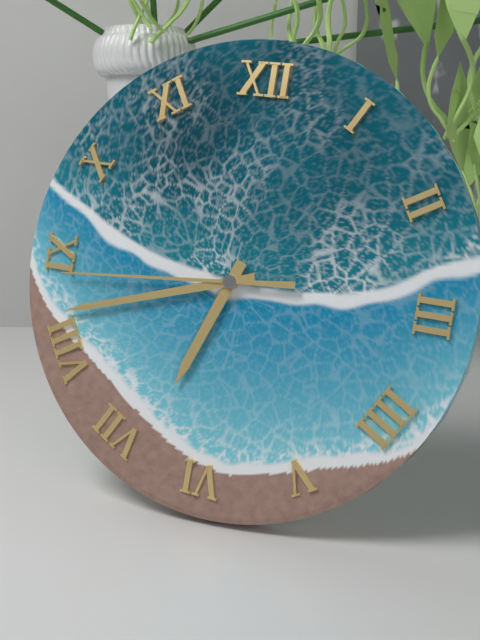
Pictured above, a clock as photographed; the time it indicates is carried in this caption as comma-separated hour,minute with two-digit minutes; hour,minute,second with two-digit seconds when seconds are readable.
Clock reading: 6,42,44
